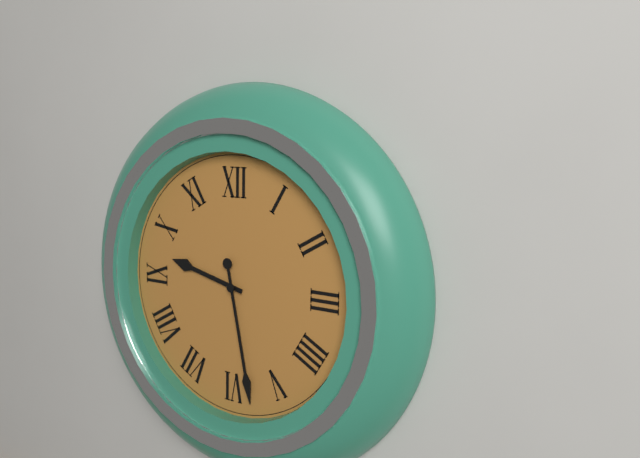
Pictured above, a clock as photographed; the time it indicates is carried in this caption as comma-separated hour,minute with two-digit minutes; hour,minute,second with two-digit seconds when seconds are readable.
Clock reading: 9,28
